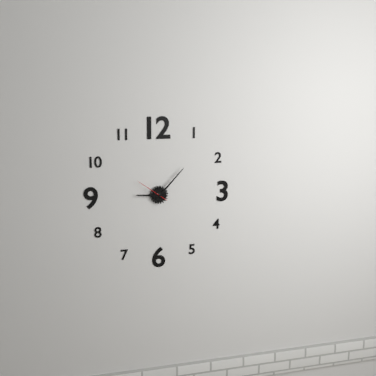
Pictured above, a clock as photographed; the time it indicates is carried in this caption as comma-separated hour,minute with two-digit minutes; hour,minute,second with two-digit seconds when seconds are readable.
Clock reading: 9,07
